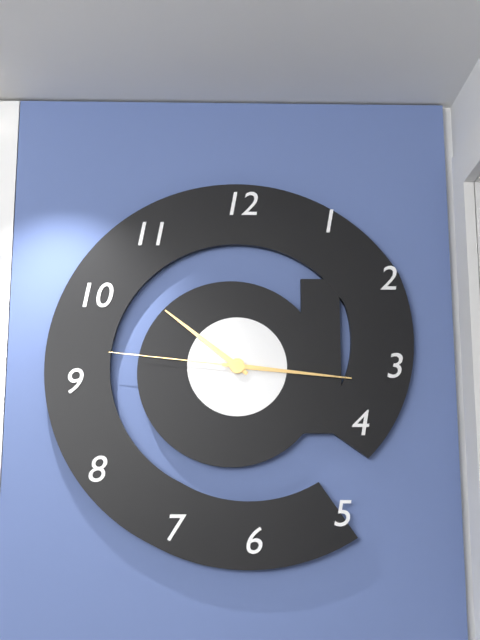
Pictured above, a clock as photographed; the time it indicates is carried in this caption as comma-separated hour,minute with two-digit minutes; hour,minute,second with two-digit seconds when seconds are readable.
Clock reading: 10,16,46
